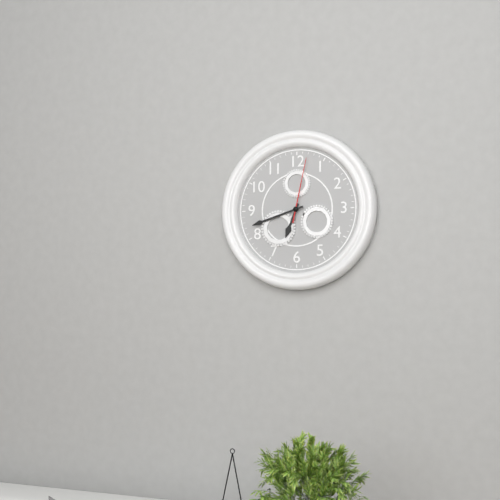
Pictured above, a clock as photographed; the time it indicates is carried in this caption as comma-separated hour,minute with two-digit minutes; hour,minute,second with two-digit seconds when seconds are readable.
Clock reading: 6,42,02
